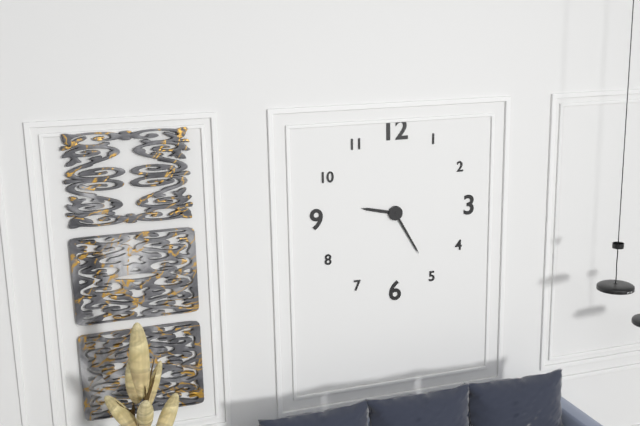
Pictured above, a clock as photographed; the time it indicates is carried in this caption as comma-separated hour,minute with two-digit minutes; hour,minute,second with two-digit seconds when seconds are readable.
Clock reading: 9,25
